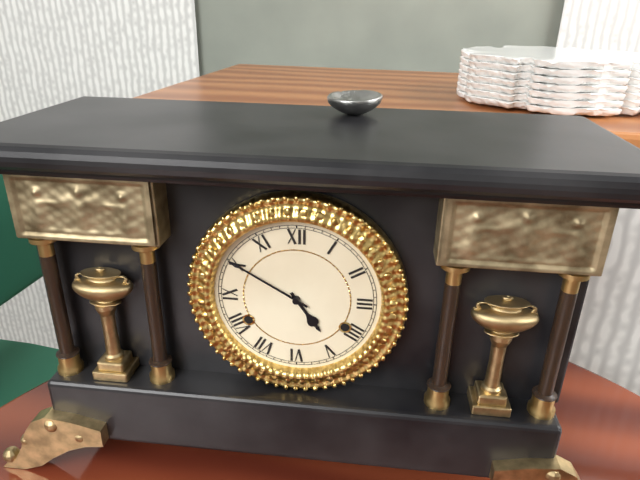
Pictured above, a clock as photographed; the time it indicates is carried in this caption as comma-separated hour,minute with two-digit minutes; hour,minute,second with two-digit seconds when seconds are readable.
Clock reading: 4,50
